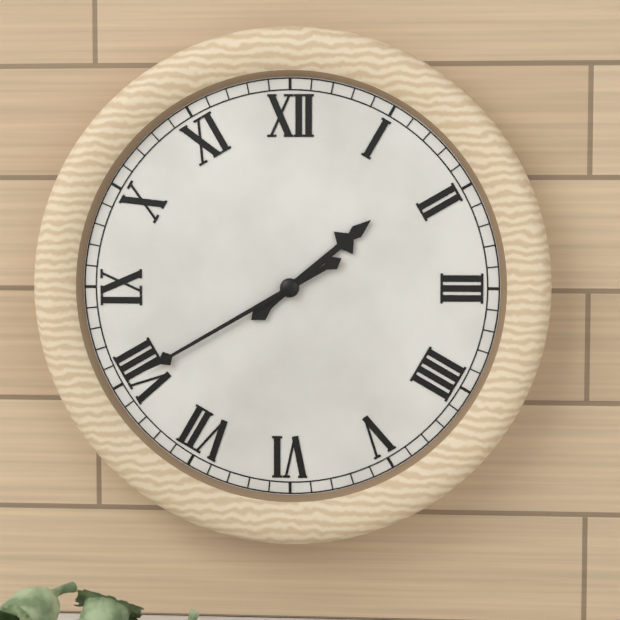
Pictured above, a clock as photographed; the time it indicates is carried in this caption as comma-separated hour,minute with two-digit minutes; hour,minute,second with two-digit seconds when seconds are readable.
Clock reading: 1,40
